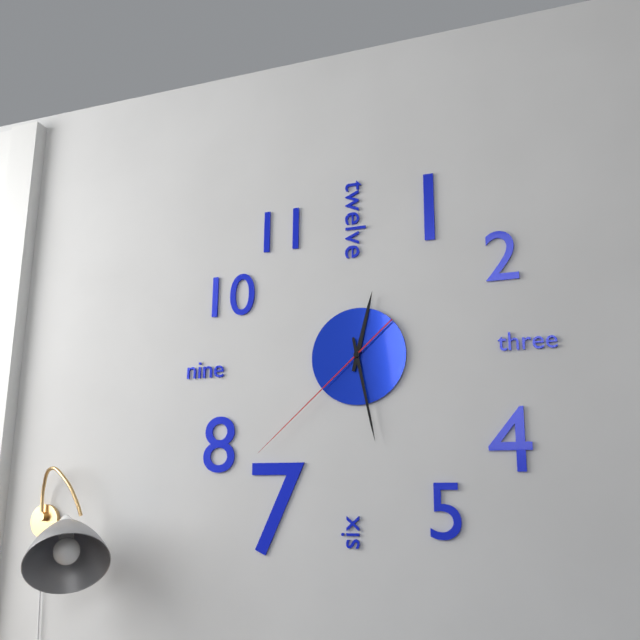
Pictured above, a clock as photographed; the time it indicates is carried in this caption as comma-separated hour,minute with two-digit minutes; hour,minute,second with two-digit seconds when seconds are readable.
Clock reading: 12,28,38
